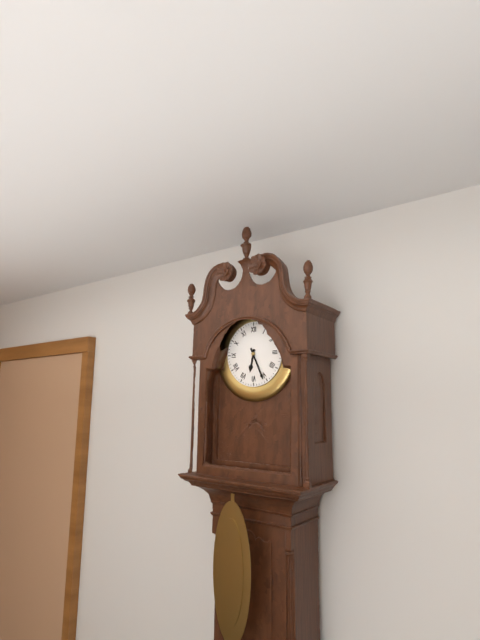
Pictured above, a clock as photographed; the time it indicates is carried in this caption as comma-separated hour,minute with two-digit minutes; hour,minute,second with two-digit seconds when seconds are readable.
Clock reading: 6,26
